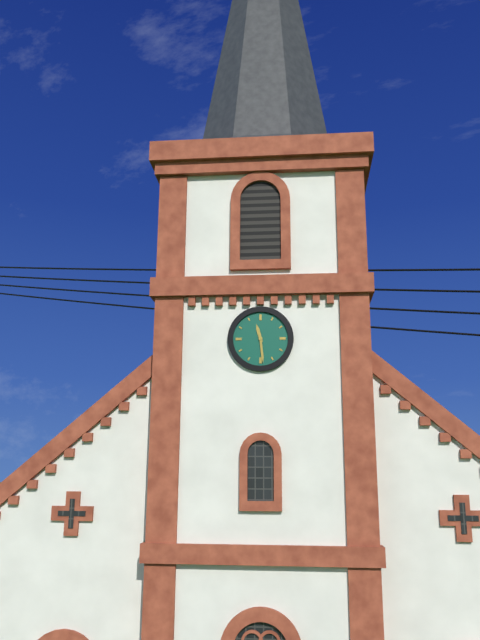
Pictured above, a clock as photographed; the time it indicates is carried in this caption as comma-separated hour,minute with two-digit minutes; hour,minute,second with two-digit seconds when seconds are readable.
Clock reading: 11,29
